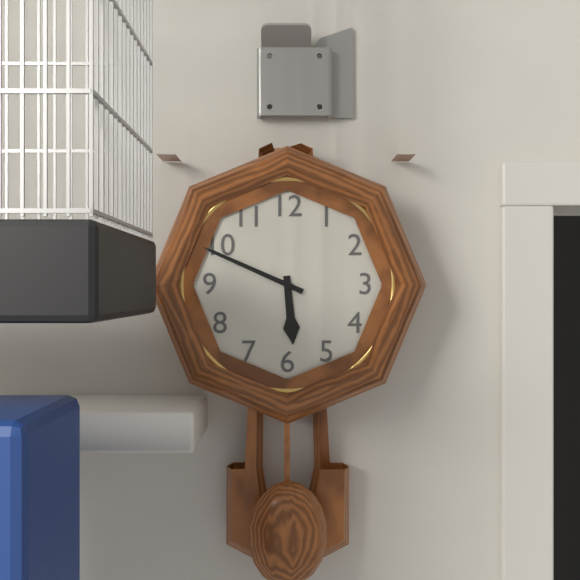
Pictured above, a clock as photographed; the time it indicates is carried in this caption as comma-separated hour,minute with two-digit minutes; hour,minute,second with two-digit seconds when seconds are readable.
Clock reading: 5,49
